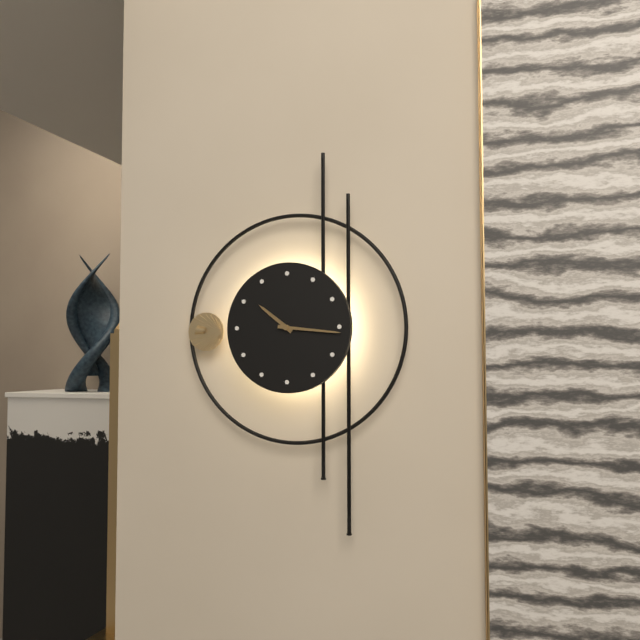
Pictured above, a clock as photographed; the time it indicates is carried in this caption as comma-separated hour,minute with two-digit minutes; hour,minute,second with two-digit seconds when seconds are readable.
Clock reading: 10,16
